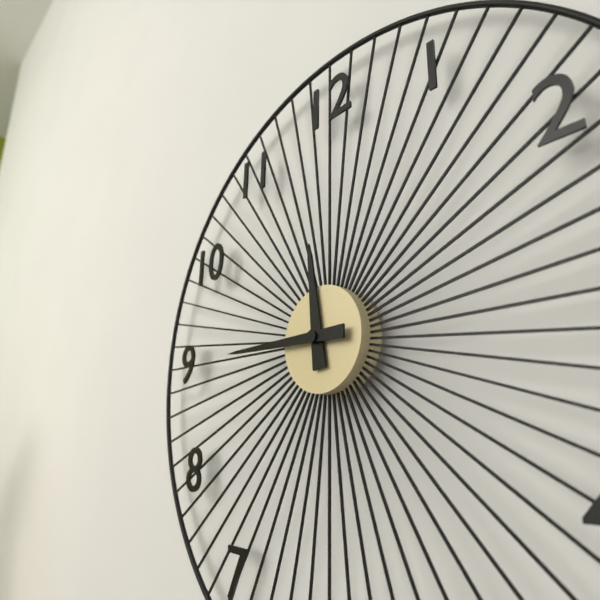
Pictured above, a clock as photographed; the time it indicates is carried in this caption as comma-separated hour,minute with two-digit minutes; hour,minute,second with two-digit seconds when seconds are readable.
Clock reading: 11,45
